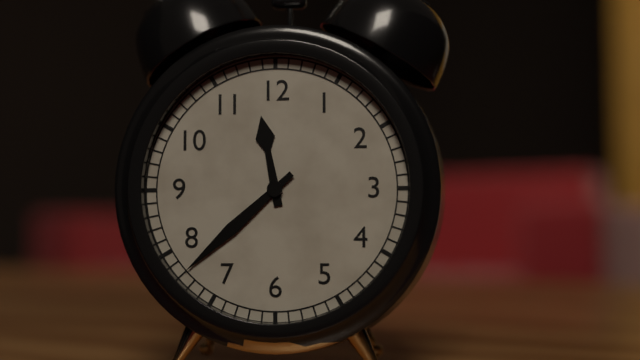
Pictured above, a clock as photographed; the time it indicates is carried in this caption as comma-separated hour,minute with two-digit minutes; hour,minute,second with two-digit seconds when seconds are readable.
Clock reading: 11,38
